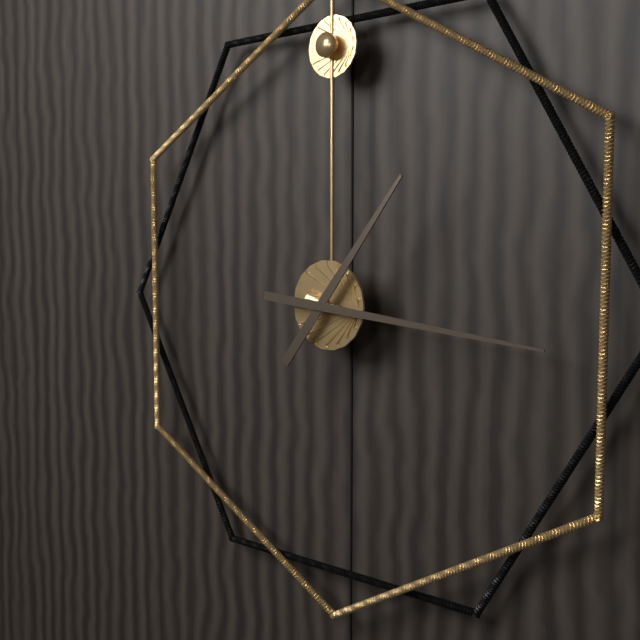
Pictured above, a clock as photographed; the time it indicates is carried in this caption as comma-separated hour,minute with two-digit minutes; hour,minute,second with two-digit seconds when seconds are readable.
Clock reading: 1,16
